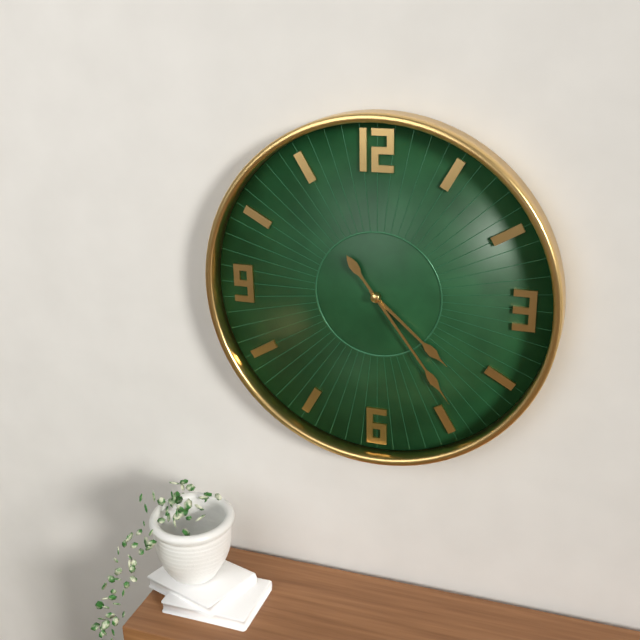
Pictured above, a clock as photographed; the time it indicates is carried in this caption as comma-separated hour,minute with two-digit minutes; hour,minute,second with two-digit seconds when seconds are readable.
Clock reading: 4,24
